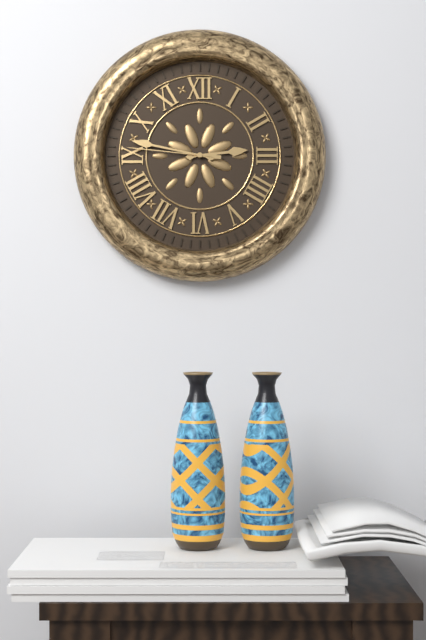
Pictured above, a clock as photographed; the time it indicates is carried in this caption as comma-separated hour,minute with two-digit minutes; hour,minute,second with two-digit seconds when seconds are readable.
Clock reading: 2,47,46
